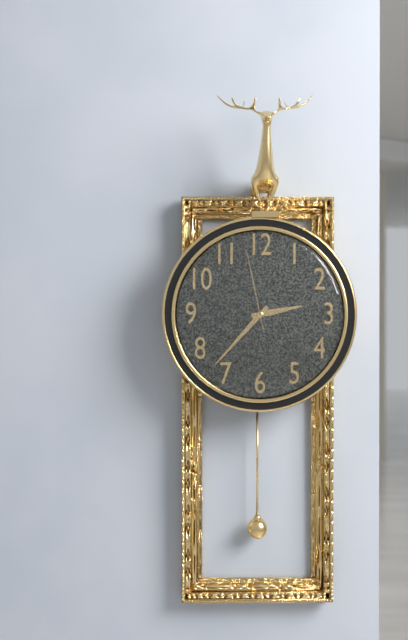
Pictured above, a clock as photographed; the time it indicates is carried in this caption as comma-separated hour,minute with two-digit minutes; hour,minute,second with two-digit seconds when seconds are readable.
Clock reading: 2,37,58
